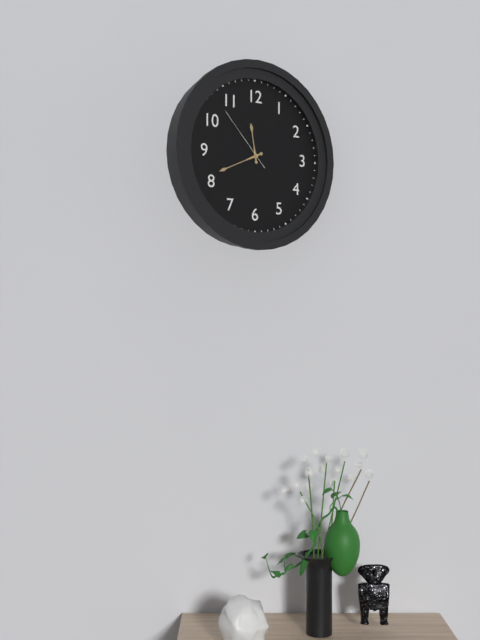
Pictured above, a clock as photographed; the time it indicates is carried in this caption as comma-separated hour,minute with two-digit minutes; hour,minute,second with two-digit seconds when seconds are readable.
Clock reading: 11,41,53
